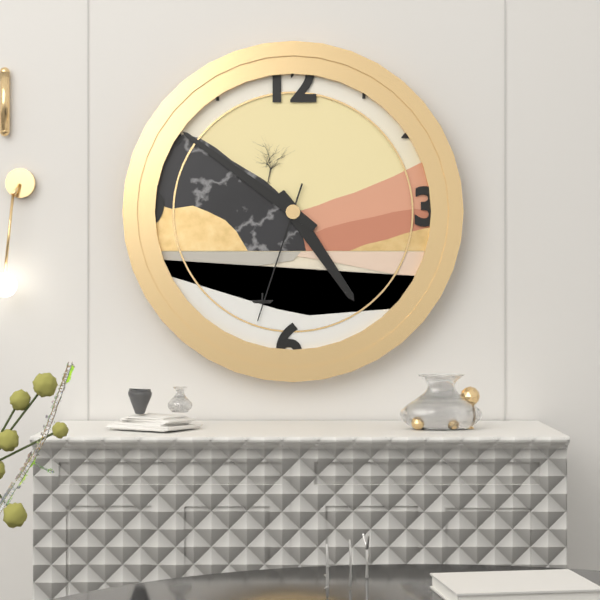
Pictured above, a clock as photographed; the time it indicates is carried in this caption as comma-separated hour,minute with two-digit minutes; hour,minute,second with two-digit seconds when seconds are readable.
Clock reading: 4,51,33
